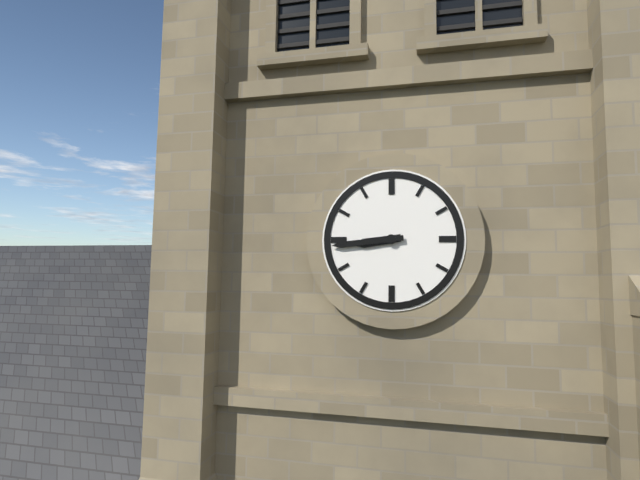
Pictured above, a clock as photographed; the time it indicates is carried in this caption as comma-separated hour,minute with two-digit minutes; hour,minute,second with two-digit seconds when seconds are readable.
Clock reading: 8,44
